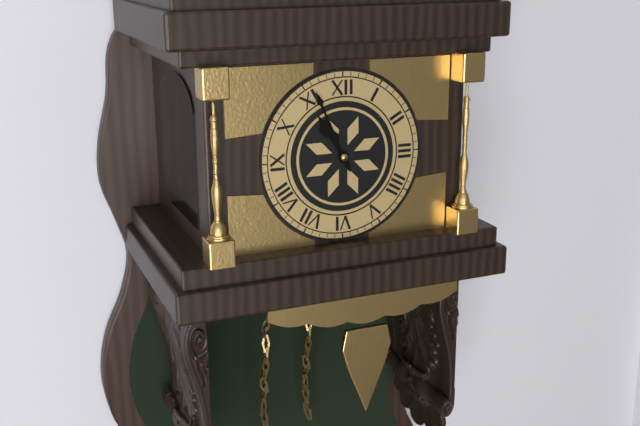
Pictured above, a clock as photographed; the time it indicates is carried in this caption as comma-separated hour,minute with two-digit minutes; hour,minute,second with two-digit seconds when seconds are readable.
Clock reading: 10,56
